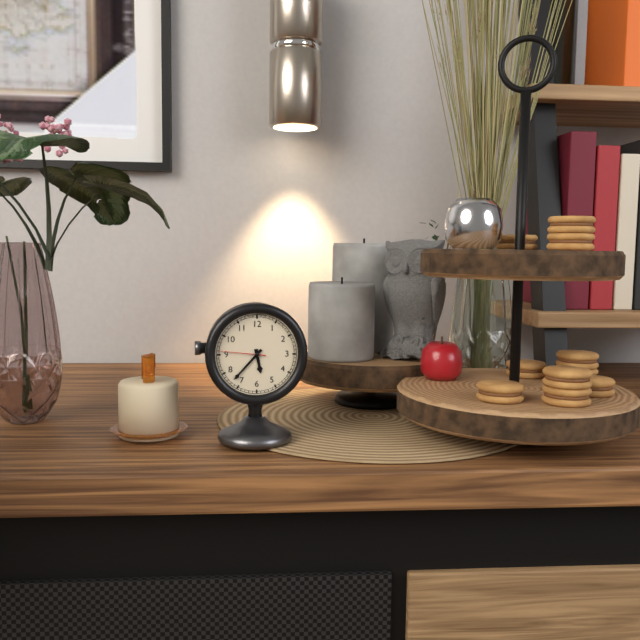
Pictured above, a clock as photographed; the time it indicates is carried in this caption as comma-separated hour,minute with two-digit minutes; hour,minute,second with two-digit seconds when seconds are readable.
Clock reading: 5,37
